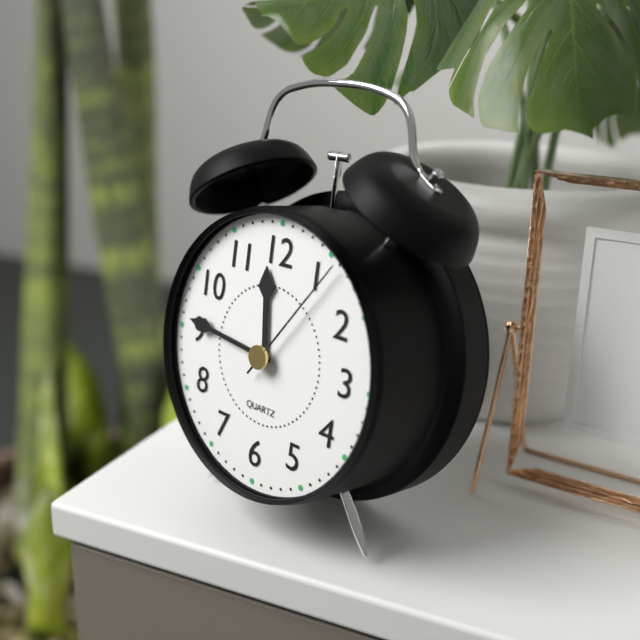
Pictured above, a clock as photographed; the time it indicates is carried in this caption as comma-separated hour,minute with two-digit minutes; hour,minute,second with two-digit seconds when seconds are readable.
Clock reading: 11,46,06
